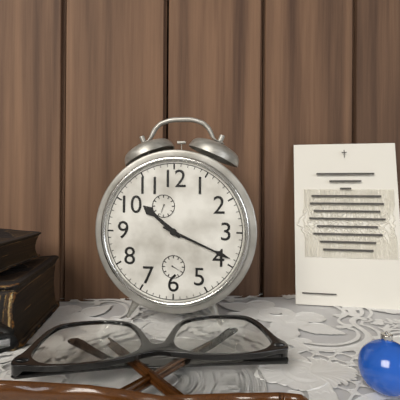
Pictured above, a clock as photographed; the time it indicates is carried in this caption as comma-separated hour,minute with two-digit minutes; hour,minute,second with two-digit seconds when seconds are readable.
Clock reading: 10,19
